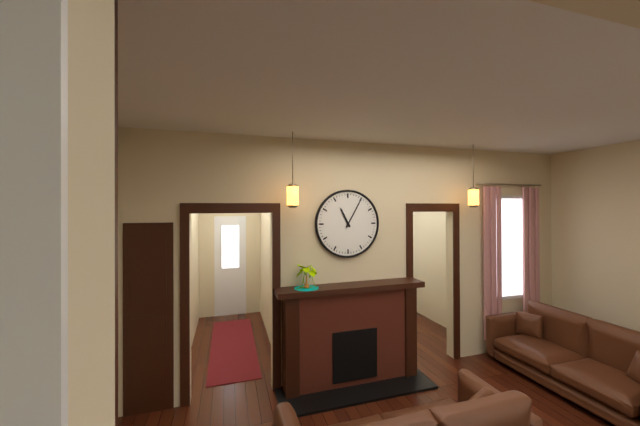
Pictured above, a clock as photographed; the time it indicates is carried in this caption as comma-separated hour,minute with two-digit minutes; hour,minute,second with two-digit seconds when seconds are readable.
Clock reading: 11,05
